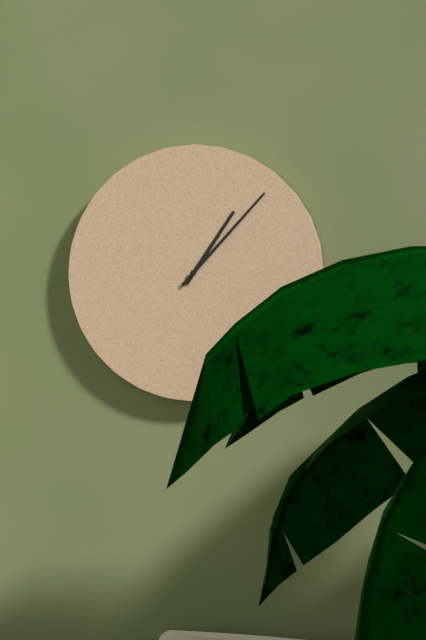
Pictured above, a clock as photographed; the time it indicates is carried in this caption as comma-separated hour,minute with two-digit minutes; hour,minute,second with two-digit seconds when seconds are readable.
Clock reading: 1,07
